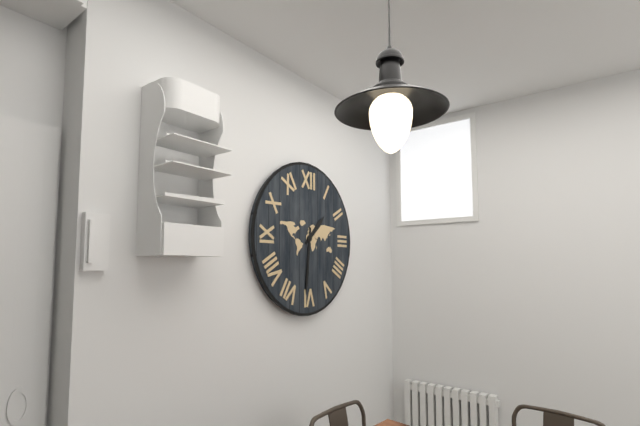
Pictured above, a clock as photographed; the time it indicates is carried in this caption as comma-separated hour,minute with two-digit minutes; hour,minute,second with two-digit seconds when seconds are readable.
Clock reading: 1,31
